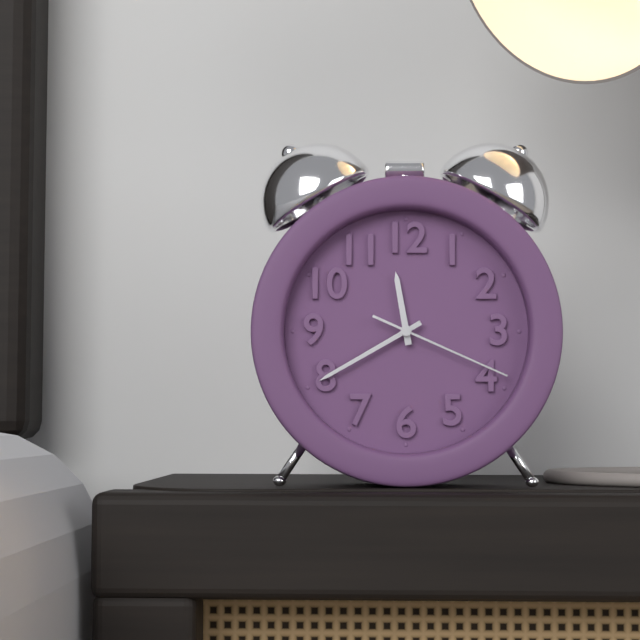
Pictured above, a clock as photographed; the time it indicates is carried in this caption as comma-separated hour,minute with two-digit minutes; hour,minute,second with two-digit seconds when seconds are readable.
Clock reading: 11,40,19
